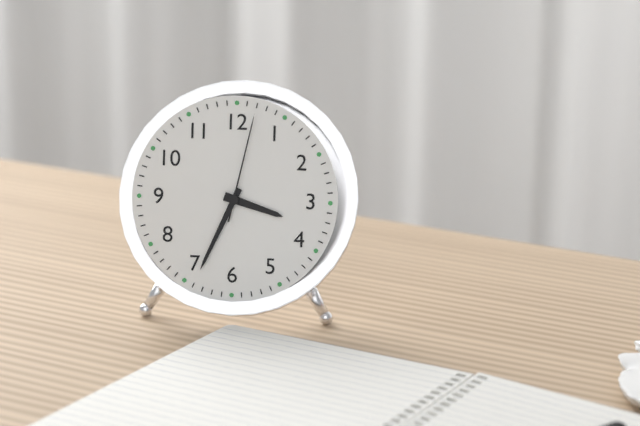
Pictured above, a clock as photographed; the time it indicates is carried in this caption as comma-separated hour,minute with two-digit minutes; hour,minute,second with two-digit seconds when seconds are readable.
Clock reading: 3,34,02
